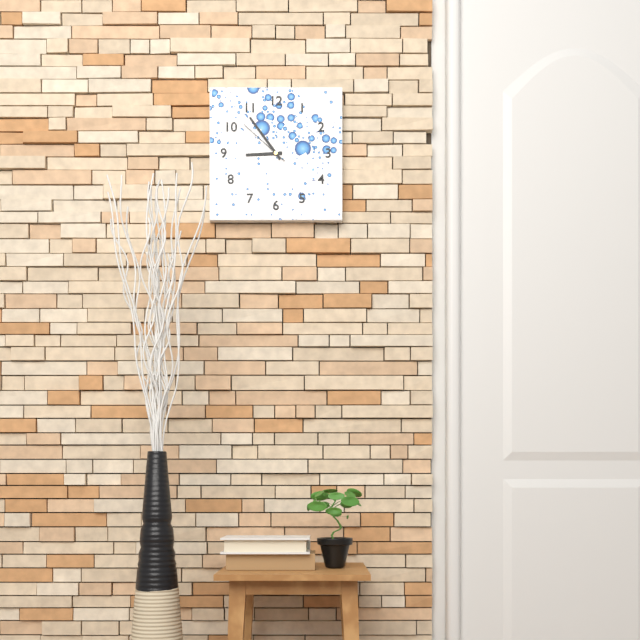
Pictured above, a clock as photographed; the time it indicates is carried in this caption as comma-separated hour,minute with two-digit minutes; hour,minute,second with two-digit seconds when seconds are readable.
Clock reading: 8,54,52
